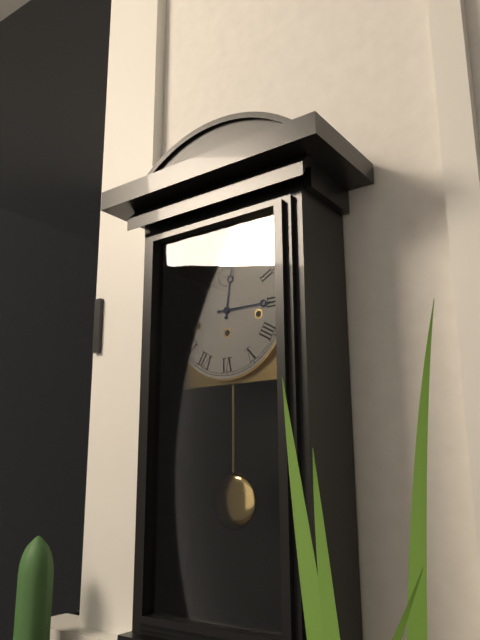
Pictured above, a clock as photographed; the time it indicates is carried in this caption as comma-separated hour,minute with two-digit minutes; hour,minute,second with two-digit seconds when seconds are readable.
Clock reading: 12,15
